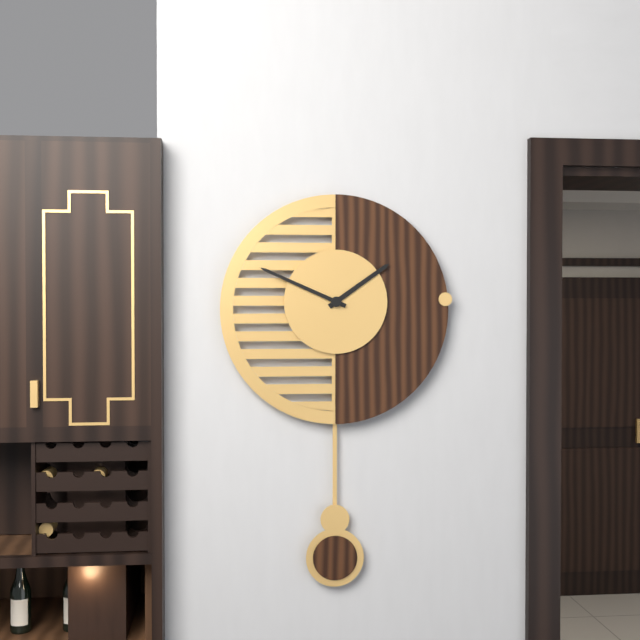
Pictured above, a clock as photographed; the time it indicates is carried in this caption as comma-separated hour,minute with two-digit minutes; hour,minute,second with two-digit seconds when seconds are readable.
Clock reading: 1,49
